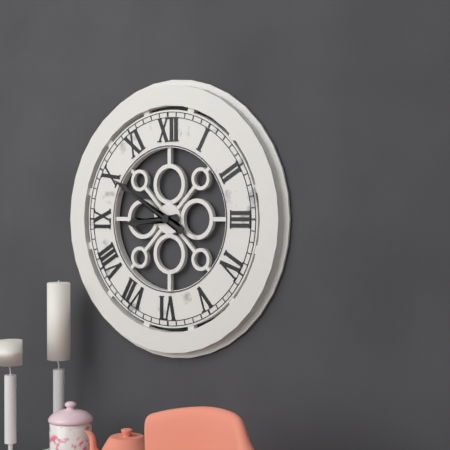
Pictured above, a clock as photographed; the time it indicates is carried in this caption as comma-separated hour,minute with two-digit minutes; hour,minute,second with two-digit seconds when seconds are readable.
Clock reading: 8,50
